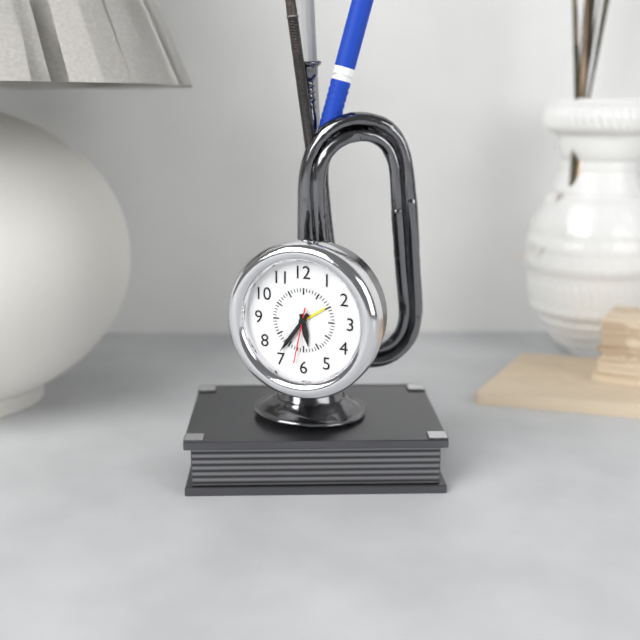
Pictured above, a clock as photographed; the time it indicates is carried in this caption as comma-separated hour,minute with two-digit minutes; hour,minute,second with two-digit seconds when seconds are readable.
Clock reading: 5,36,32
